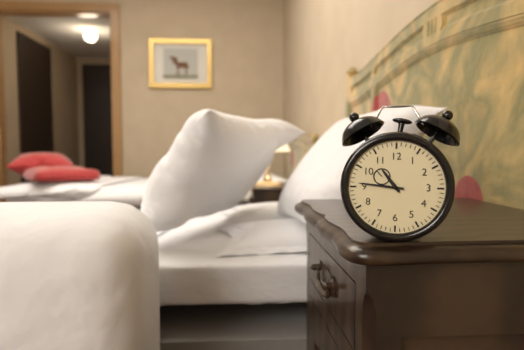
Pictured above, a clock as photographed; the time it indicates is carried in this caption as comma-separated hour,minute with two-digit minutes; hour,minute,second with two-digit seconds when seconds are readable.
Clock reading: 10,46
